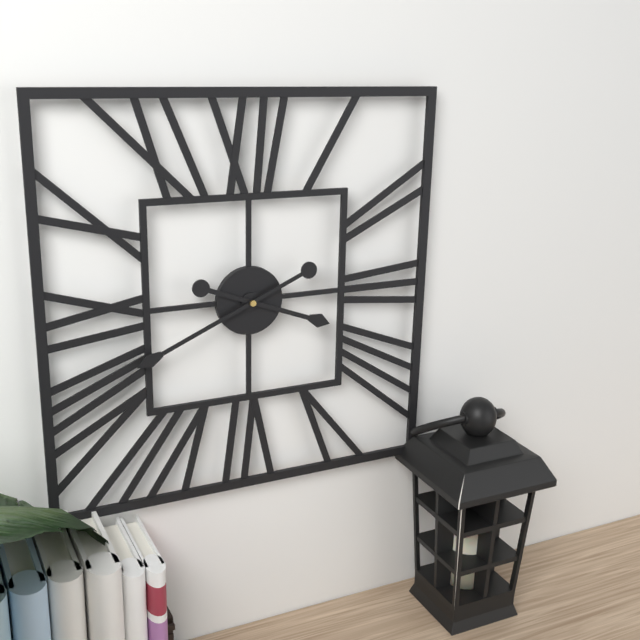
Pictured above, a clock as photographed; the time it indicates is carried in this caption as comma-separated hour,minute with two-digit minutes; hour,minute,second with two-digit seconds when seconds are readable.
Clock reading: 3,41
